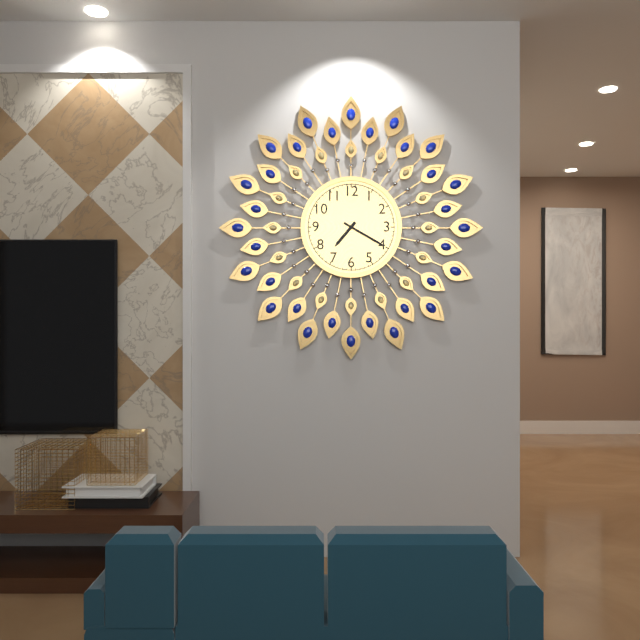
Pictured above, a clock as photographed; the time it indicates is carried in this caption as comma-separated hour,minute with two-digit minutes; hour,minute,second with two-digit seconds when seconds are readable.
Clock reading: 7,20
